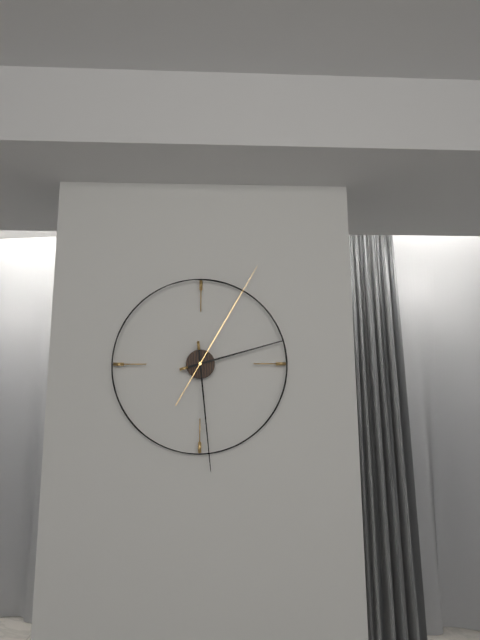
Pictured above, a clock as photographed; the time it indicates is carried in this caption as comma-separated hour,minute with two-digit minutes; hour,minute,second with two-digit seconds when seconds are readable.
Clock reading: 2,29,05
